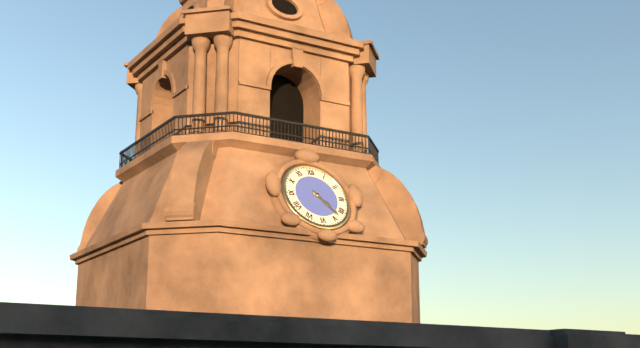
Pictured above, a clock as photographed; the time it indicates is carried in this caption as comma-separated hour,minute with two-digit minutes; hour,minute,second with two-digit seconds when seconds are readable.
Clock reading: 4,23
